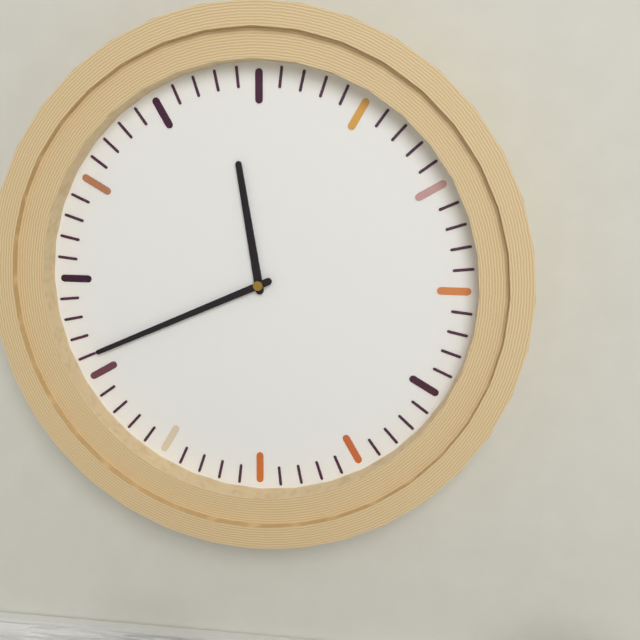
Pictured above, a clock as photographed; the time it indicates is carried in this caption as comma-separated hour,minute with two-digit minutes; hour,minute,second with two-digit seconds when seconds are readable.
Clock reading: 11,41
